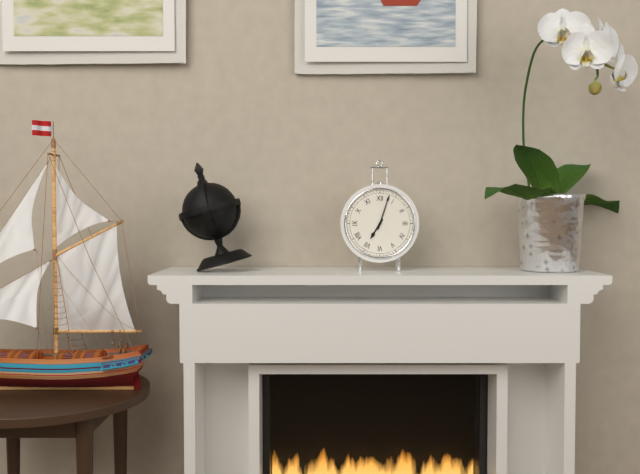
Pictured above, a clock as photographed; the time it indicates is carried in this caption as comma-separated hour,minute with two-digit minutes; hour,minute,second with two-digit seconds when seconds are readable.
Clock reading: 7,03
